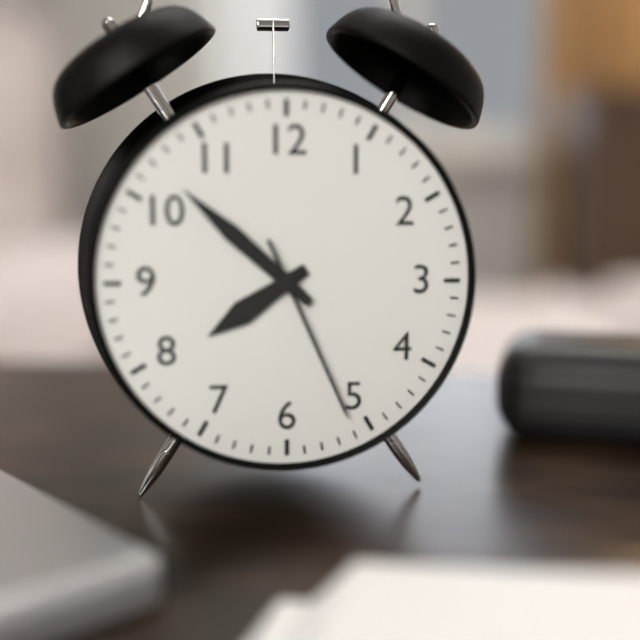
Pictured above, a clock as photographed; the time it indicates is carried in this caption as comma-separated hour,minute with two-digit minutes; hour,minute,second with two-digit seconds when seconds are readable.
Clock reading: 7,52,26
